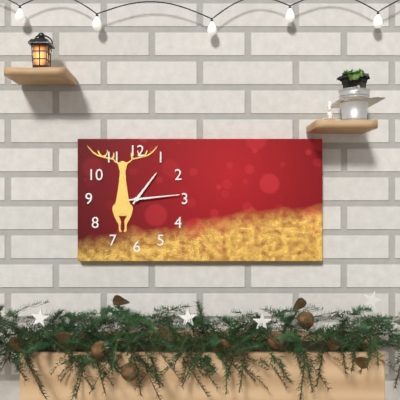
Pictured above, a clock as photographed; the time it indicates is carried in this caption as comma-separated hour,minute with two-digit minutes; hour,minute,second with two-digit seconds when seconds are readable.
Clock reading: 1,14
